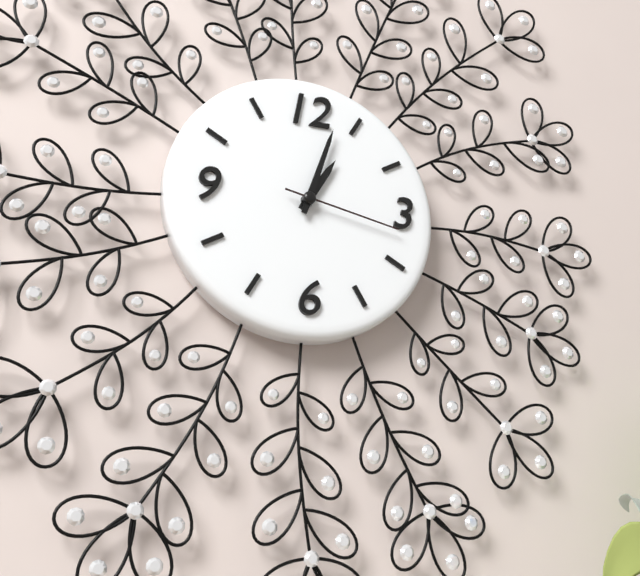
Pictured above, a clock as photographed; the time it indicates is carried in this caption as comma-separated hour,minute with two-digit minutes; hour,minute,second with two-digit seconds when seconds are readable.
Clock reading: 1,03,17
